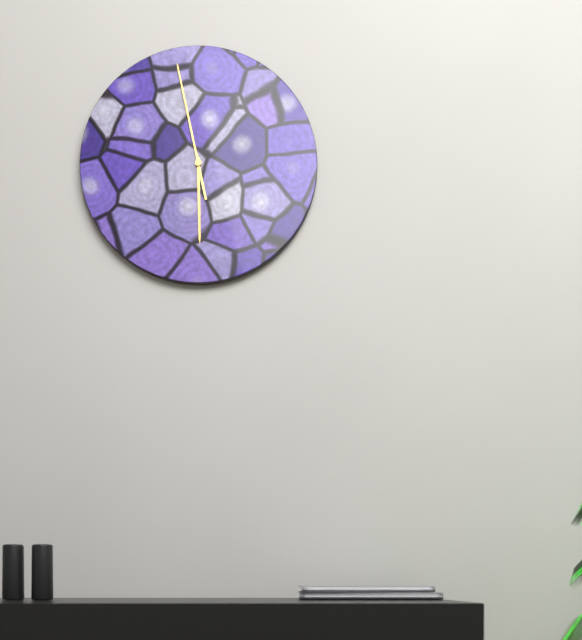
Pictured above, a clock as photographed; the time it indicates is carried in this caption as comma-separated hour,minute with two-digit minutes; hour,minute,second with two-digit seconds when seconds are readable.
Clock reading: 5,58
